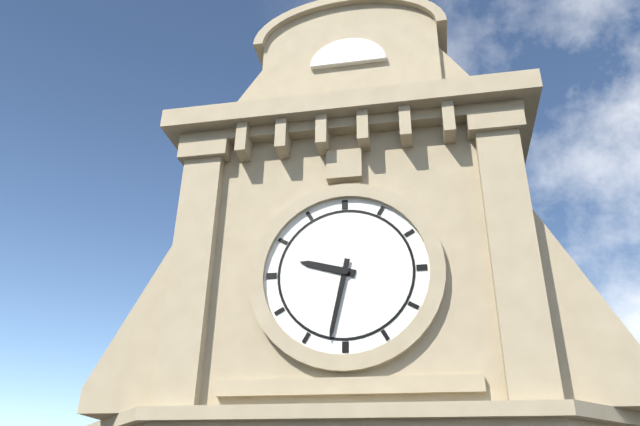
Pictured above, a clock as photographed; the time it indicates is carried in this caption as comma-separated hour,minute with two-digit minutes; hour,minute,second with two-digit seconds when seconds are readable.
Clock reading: 9,32
